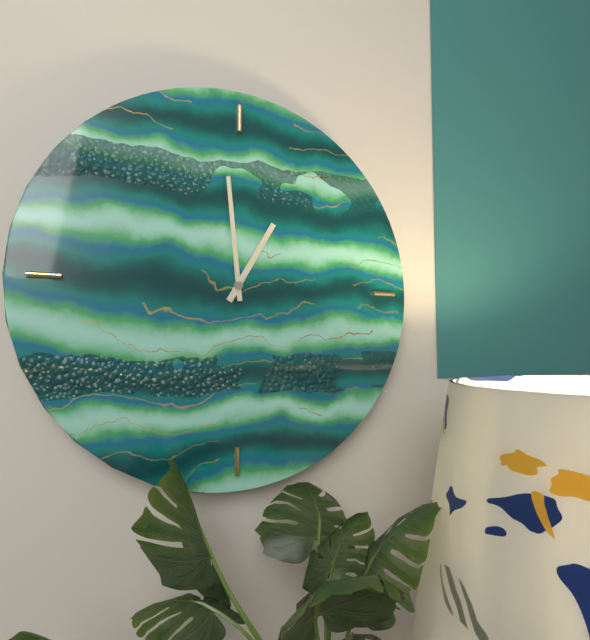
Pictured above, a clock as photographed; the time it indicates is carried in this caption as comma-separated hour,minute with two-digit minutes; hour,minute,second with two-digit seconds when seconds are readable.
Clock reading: 12,59
